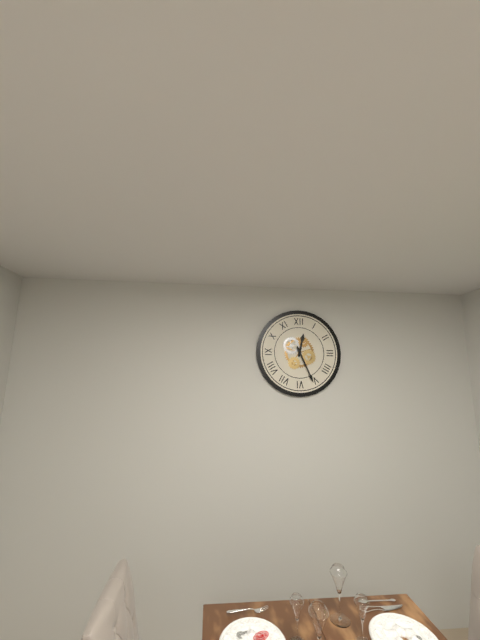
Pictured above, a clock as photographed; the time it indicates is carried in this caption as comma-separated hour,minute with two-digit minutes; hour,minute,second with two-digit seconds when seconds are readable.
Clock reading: 12,26
